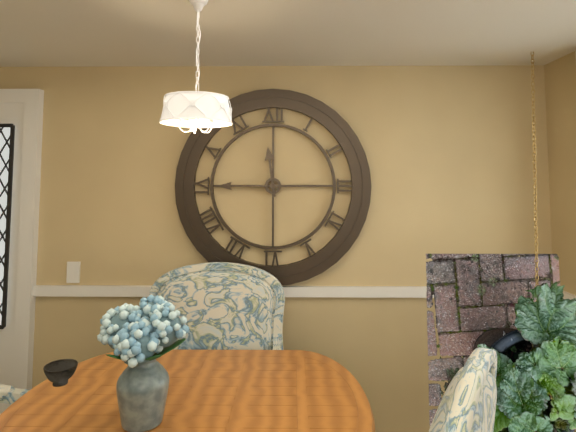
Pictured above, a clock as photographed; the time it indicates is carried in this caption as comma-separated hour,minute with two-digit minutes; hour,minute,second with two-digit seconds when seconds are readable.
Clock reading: 11,45
